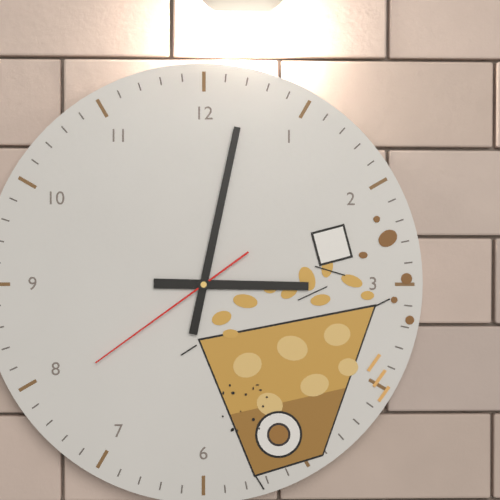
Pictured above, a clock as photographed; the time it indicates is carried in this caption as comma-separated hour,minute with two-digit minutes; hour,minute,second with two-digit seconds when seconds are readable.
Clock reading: 3,02,39
